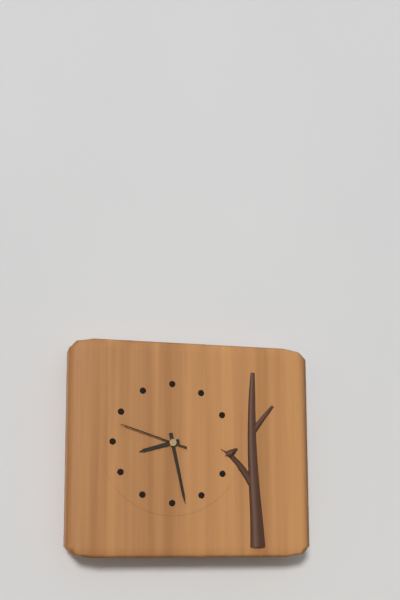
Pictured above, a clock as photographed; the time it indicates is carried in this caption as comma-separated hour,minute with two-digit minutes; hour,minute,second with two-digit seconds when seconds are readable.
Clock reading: 8,28,48
